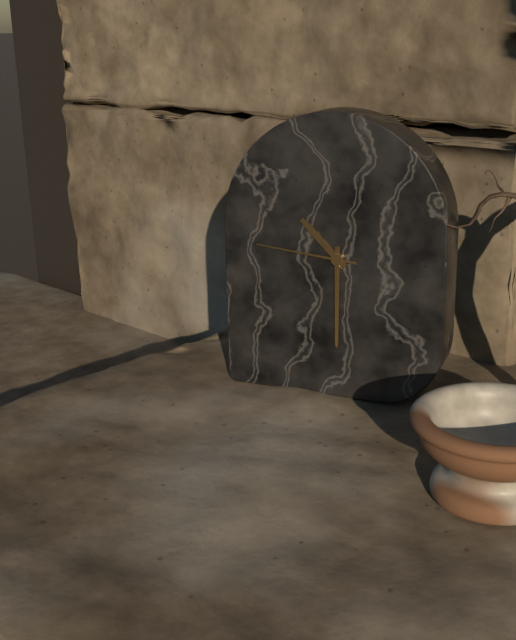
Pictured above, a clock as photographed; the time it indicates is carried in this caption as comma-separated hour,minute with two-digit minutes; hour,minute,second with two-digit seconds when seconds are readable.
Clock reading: 10,30,46
